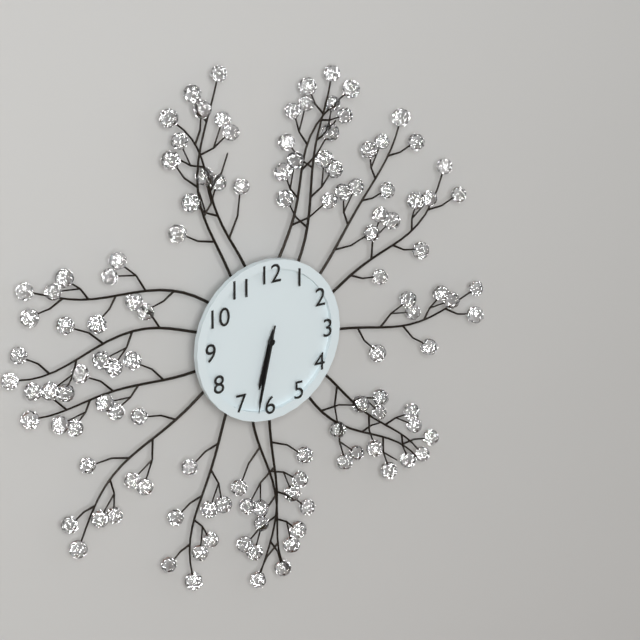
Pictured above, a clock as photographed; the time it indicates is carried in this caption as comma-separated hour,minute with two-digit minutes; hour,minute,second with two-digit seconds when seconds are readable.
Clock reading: 6,32,32
